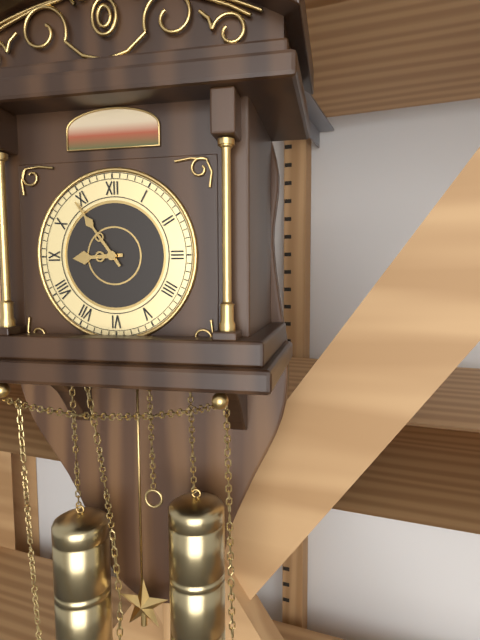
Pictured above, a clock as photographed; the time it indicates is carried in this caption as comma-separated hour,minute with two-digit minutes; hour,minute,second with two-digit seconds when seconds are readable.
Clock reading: 8,54
